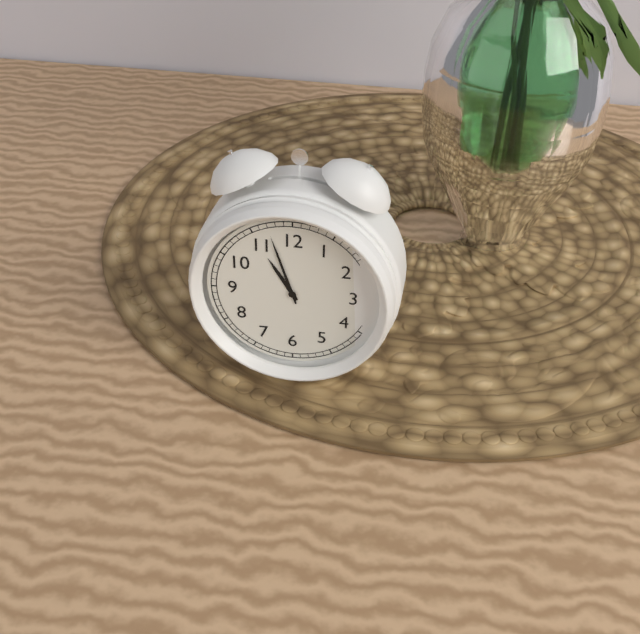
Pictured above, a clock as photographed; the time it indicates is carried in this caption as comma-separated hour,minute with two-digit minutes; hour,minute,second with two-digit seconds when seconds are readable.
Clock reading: 10,57
